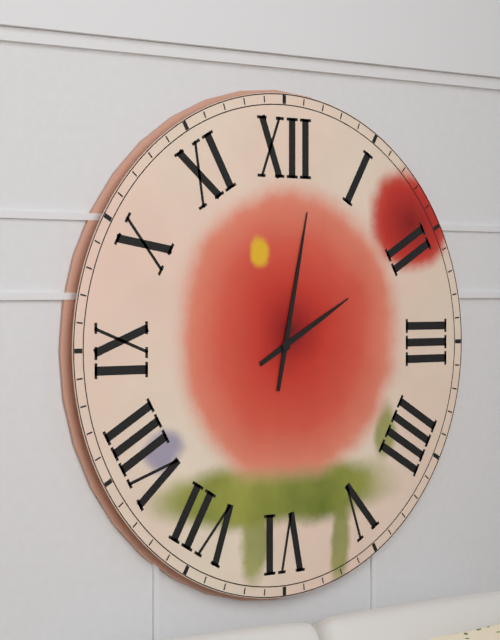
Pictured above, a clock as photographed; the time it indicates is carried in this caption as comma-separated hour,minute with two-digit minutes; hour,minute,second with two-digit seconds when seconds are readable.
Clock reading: 2,02
